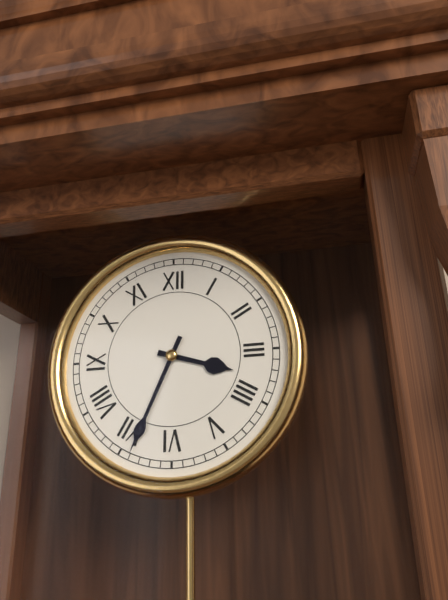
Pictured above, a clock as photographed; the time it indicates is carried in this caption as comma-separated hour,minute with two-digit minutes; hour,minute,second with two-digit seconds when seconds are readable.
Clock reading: 3,34
